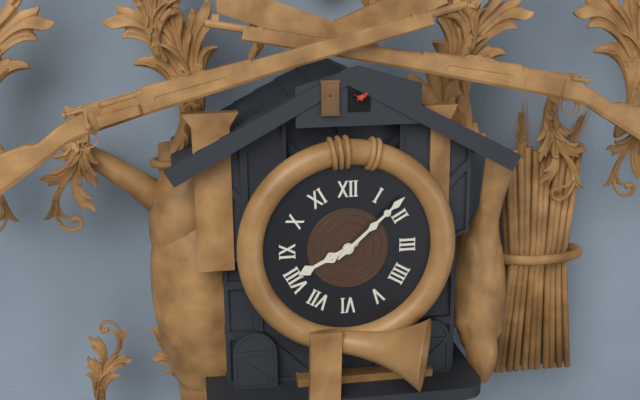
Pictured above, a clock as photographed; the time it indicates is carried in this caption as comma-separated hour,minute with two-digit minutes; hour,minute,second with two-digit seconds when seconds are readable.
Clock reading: 8,08
